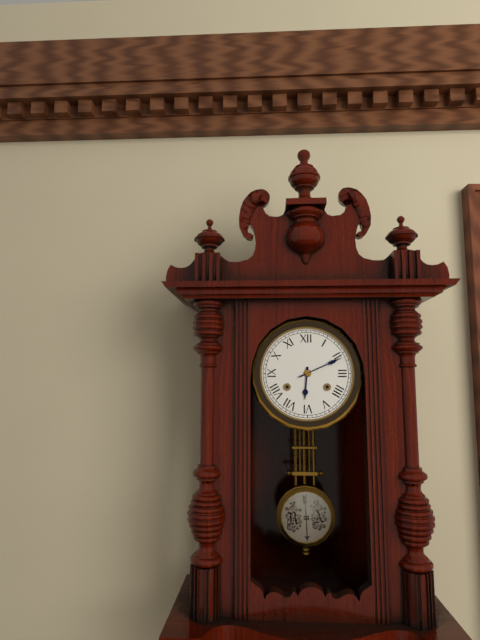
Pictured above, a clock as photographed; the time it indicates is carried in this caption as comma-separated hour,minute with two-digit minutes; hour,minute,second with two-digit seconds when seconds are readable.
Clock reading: 6,11
